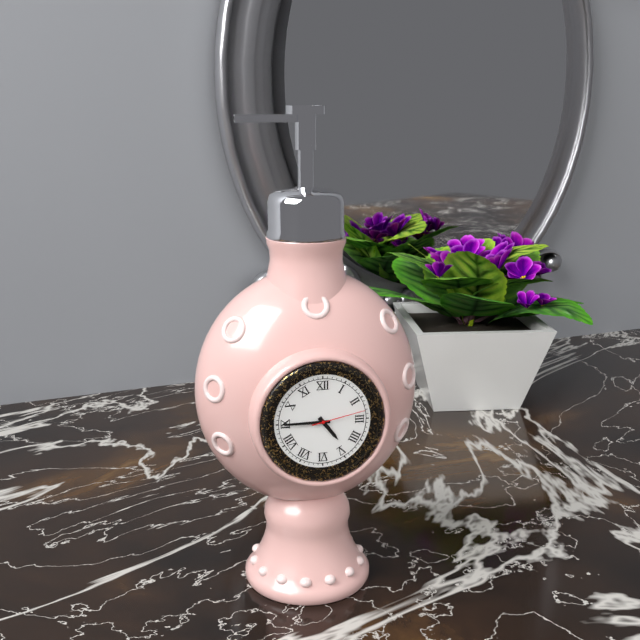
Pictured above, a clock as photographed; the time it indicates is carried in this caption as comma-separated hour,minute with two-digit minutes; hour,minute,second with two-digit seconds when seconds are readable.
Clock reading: 4,45,13
